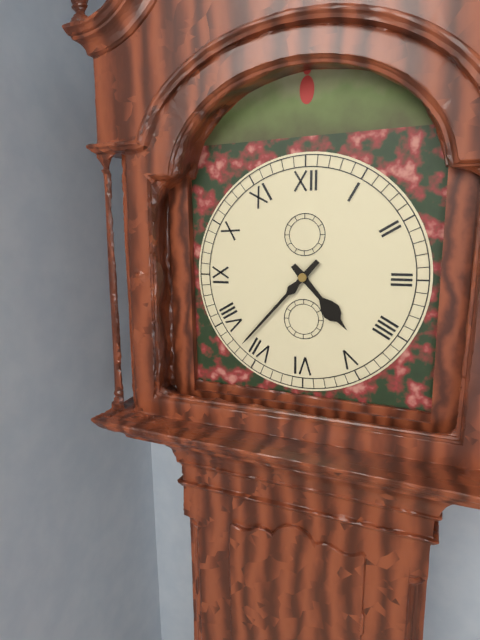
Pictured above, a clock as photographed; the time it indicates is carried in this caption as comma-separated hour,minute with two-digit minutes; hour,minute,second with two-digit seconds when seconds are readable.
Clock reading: 4,37
